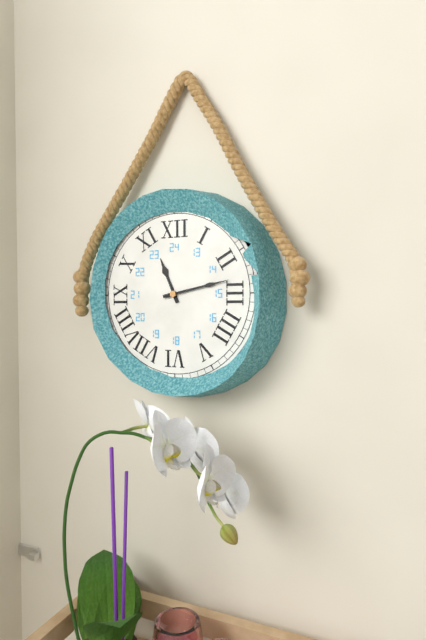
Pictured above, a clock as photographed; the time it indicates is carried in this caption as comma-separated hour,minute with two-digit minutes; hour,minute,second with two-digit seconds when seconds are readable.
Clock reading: 11,13
